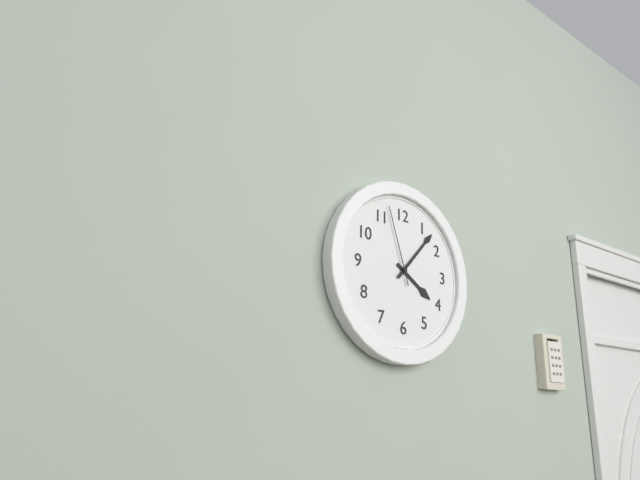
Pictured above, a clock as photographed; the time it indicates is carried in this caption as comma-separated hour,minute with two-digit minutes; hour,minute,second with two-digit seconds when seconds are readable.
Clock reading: 4,07,57
